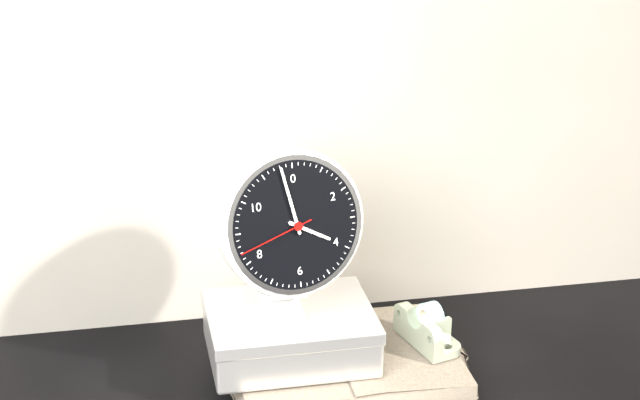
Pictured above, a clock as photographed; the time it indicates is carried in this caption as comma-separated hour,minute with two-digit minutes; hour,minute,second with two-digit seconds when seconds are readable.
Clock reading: 3,58,42
